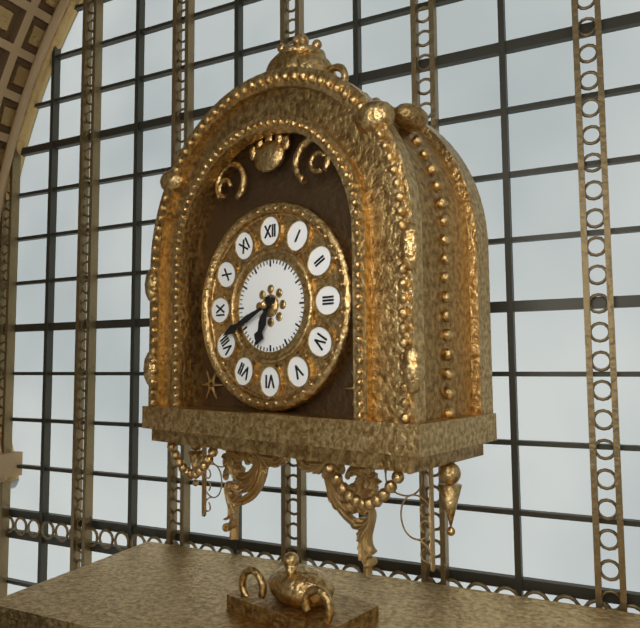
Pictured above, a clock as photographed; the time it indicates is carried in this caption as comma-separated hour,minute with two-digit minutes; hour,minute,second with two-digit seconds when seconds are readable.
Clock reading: 6,41
